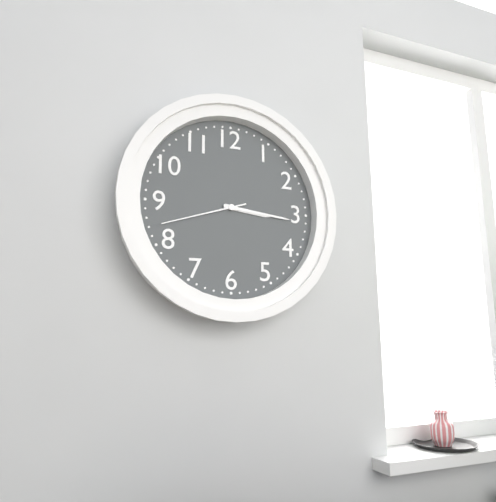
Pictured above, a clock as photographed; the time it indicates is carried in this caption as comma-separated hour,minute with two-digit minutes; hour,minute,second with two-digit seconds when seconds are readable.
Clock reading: 3,16,42
